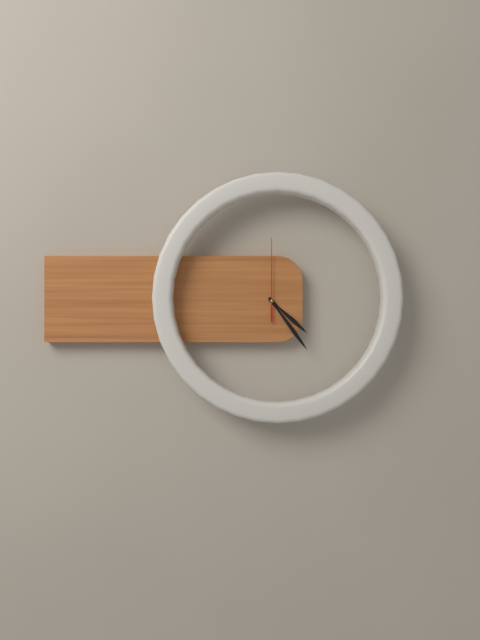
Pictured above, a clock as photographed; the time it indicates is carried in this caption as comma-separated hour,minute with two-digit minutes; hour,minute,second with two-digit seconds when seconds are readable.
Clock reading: 4,24,00
